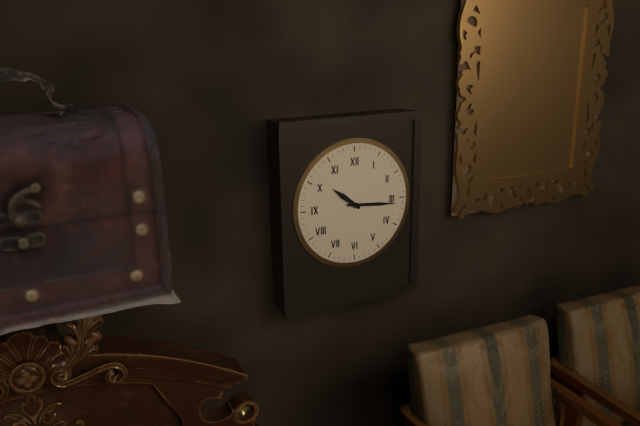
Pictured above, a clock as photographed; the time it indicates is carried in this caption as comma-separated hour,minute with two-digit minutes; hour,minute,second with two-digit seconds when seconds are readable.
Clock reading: 10,16
